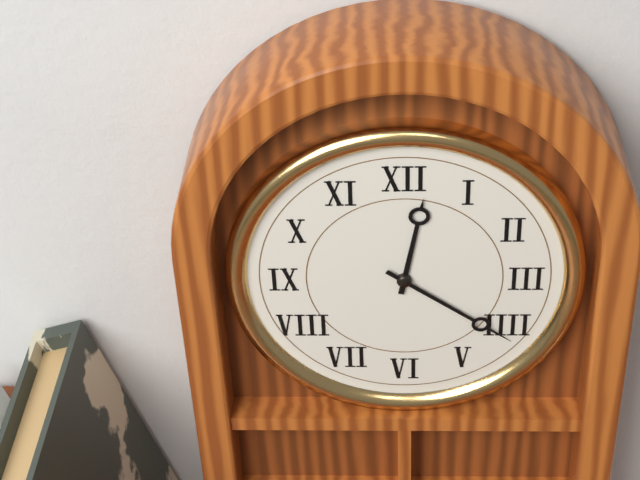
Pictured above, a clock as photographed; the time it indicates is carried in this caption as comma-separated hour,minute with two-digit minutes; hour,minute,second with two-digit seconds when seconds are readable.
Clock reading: 12,21
